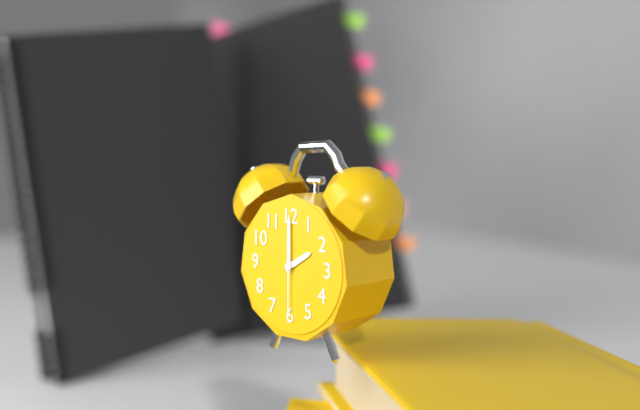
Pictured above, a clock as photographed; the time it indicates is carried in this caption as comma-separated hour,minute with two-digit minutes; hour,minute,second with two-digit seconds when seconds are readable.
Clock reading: 2,00,30
